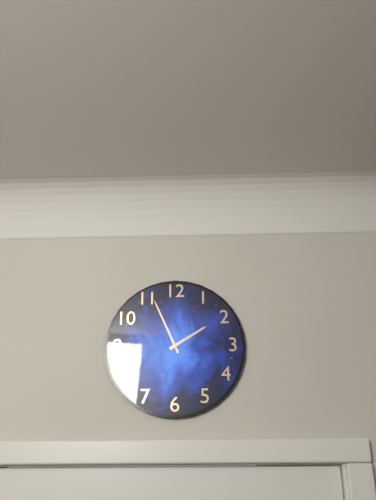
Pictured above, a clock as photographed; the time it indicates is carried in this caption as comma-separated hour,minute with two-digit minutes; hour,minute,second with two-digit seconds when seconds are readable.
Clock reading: 1,56
